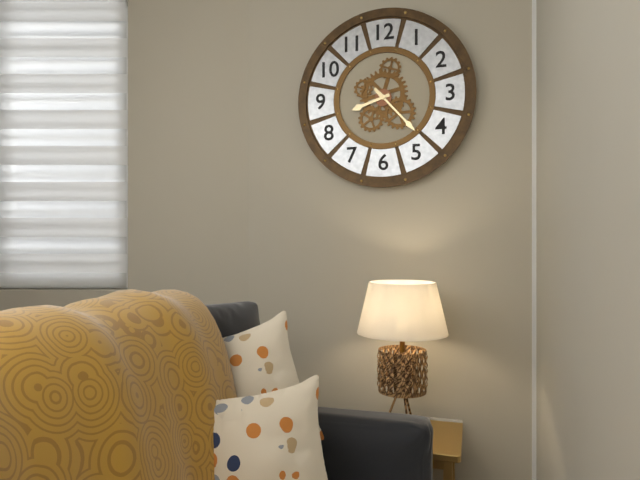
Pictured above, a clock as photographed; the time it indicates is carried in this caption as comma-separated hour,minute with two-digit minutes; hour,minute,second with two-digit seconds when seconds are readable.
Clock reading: 8,23
